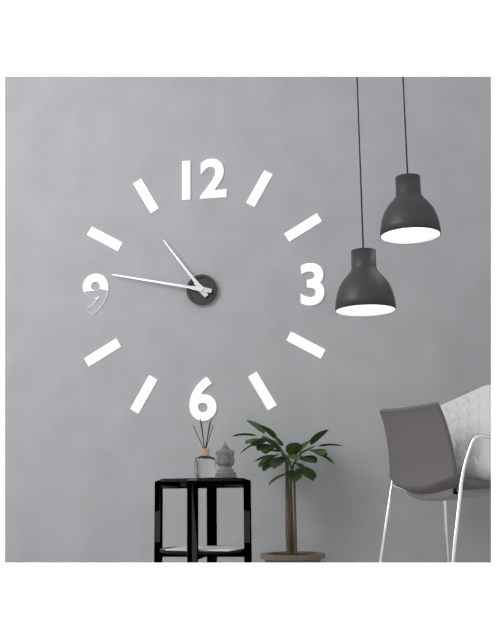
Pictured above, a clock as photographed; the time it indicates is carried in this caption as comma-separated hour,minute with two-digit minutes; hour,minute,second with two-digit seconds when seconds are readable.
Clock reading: 10,47
